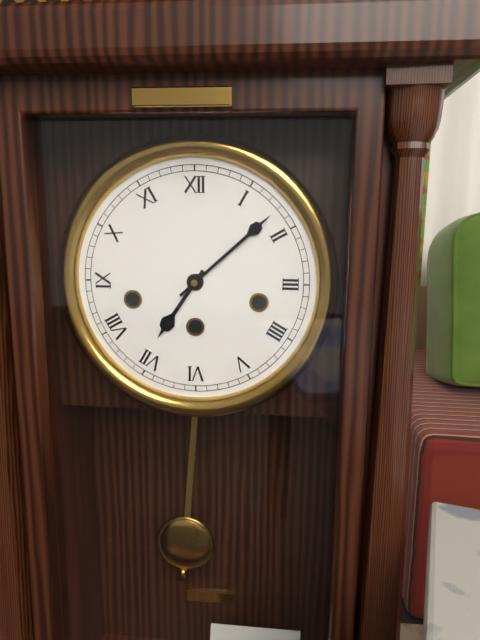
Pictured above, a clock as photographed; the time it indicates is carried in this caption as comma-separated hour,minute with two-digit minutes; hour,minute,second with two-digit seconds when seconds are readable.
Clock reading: 7,08
